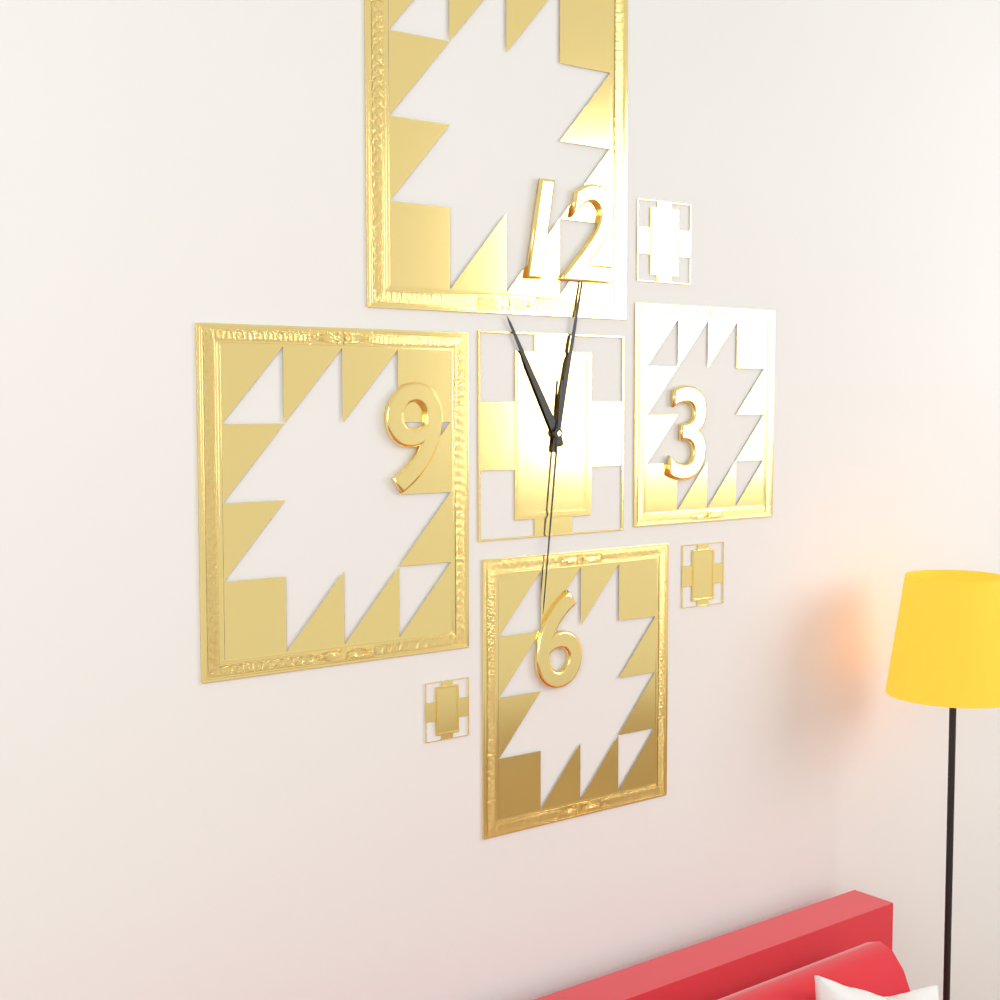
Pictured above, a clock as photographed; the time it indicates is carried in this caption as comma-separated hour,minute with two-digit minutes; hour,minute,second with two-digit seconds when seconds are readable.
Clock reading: 11,02,31
